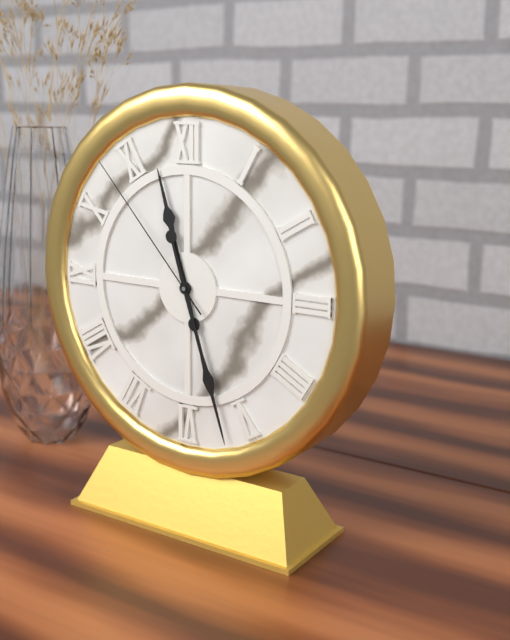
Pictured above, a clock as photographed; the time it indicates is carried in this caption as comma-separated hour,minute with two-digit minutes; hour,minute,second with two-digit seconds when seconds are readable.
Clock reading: 11,27,53
